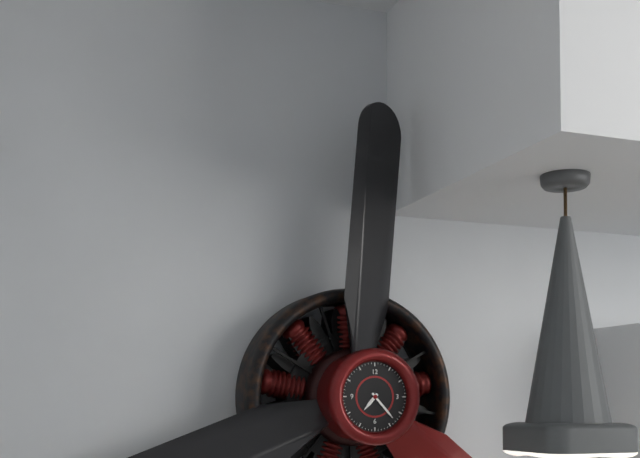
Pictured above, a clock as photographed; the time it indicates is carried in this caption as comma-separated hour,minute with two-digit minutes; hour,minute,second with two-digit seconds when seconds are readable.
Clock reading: 7,23
